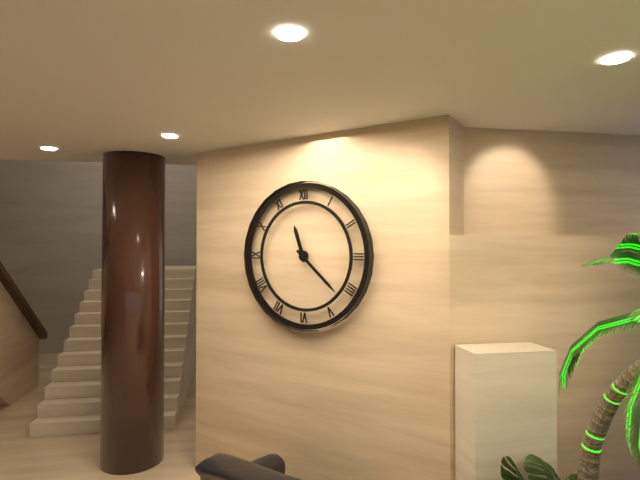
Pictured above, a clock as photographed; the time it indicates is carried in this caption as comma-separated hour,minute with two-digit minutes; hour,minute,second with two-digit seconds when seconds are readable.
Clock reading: 11,22
